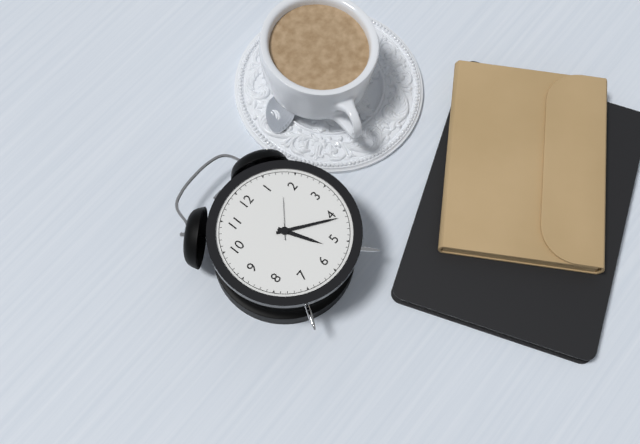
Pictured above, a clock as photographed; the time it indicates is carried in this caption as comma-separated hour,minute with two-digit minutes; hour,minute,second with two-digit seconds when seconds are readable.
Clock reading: 5,21
